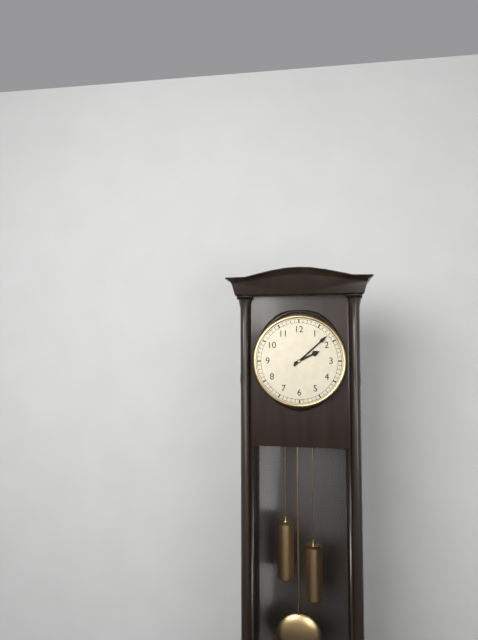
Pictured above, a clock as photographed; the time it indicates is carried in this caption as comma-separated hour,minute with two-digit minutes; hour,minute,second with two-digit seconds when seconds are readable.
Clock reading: 2,08
